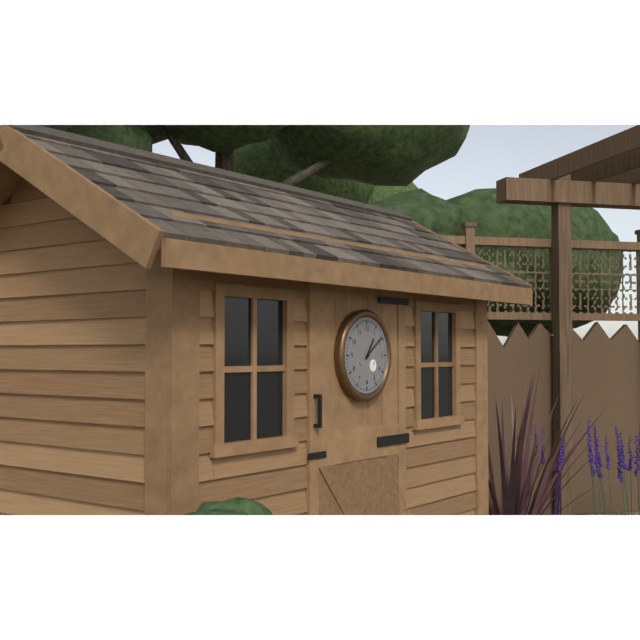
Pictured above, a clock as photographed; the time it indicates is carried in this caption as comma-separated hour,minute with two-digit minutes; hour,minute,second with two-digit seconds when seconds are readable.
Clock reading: 1,09
